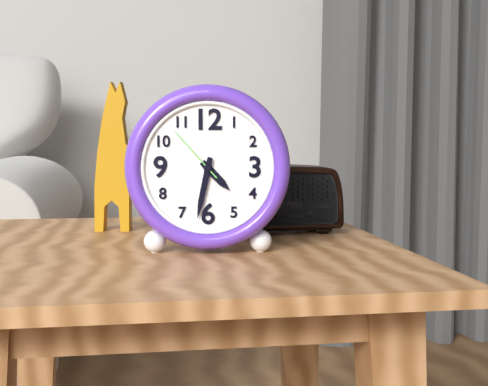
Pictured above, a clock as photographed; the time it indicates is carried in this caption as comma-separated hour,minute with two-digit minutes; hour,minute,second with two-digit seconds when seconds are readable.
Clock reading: 4,32,53
